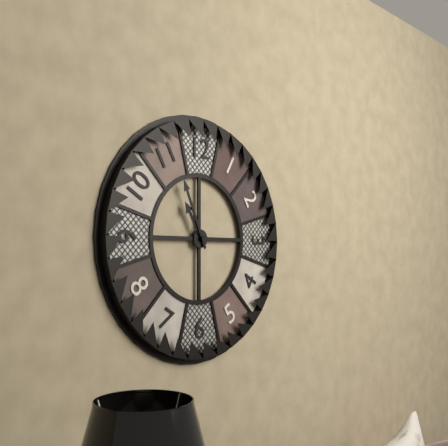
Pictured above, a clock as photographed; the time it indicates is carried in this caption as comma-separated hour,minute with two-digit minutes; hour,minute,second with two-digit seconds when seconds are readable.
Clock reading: 10,56
